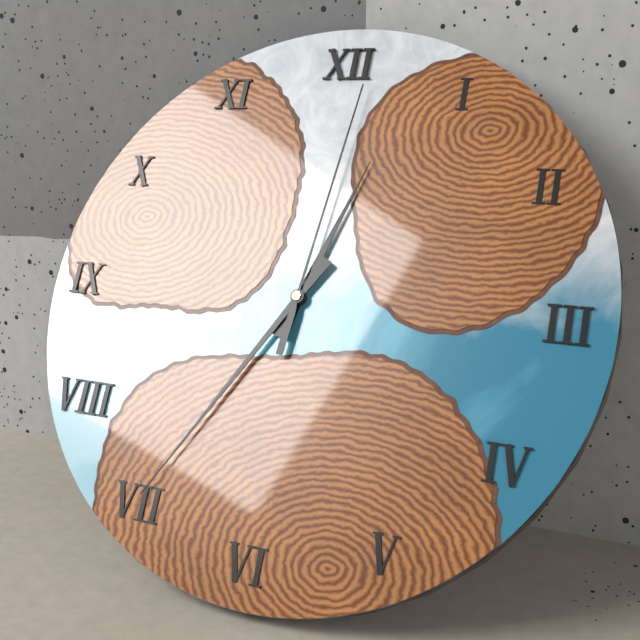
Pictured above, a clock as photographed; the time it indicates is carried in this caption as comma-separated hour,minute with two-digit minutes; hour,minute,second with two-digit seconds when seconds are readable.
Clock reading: 12,35,01
